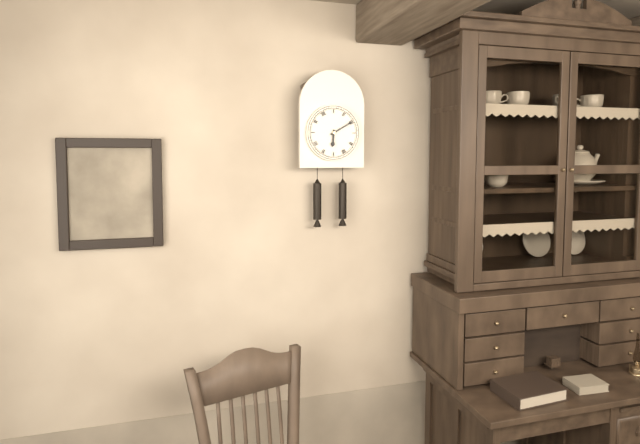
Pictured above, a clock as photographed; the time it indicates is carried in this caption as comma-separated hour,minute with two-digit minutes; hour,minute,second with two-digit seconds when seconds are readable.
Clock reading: 6,10
